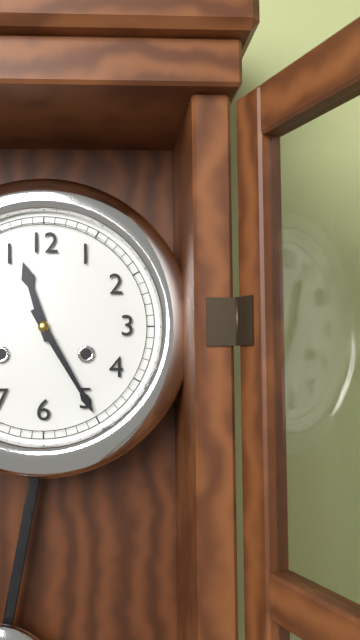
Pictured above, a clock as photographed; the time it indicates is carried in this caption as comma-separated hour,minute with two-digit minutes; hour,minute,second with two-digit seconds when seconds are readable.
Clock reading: 11,25
